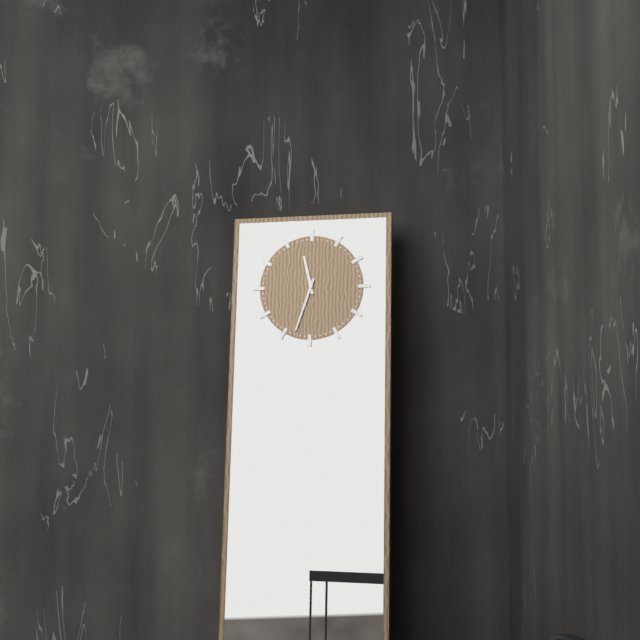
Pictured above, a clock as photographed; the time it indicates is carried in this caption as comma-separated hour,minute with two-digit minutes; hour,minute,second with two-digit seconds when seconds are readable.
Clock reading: 11,33
